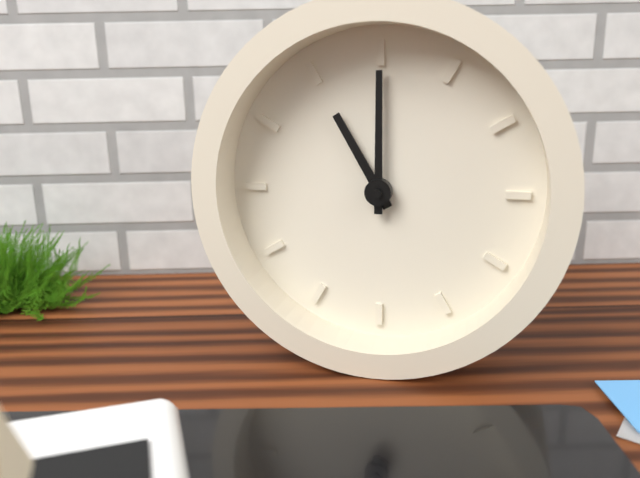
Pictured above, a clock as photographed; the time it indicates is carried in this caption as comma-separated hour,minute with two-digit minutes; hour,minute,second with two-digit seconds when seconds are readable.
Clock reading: 11,00
